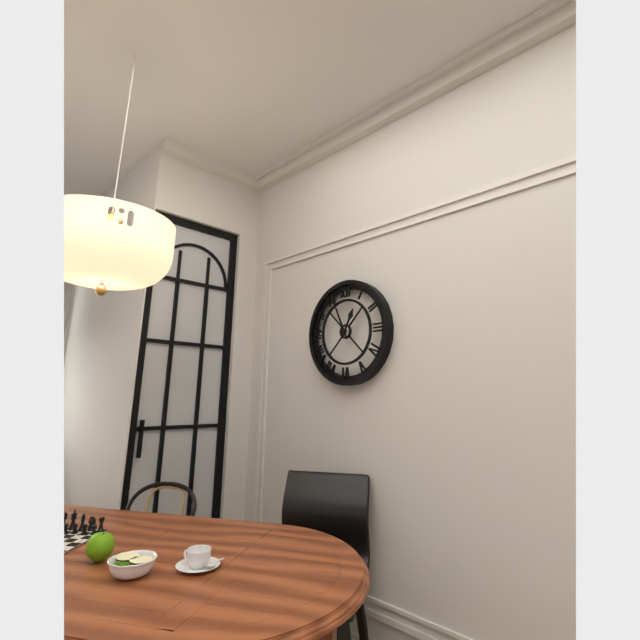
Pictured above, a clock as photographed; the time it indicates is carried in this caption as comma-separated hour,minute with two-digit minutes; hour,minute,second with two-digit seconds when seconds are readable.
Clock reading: 12,56
